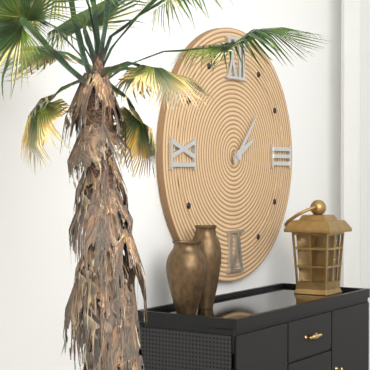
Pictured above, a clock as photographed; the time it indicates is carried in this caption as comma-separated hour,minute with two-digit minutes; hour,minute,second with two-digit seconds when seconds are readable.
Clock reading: 2,07
